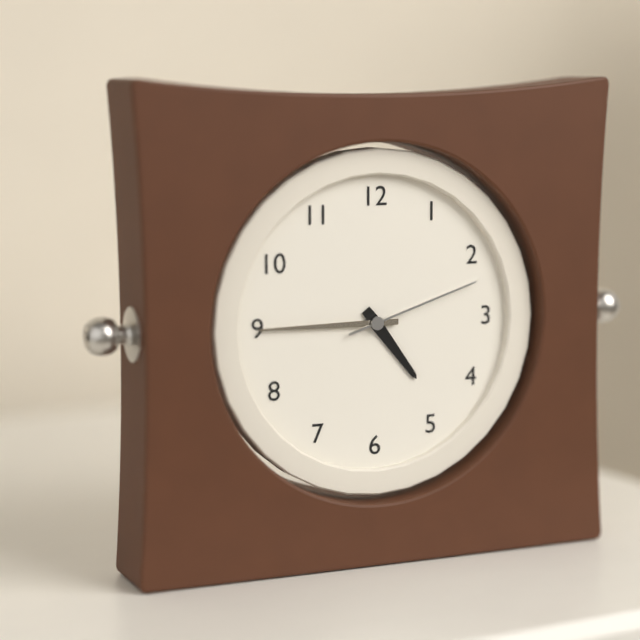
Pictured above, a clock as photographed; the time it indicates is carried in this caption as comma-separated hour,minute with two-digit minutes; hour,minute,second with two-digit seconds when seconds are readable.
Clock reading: 4,45,12
